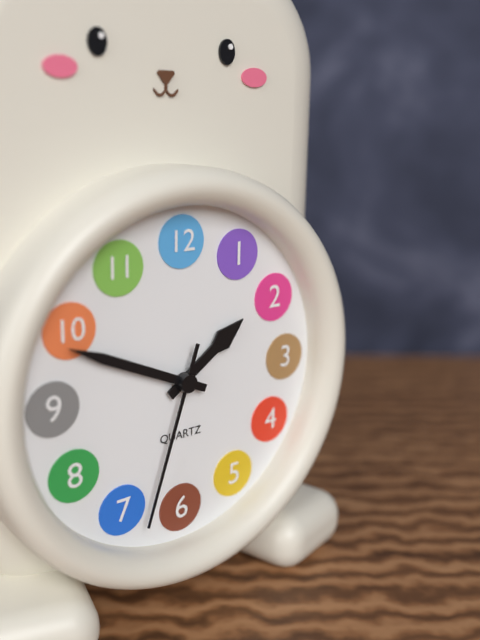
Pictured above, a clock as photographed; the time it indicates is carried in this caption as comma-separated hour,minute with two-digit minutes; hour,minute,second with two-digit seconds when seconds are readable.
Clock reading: 1,49,33
